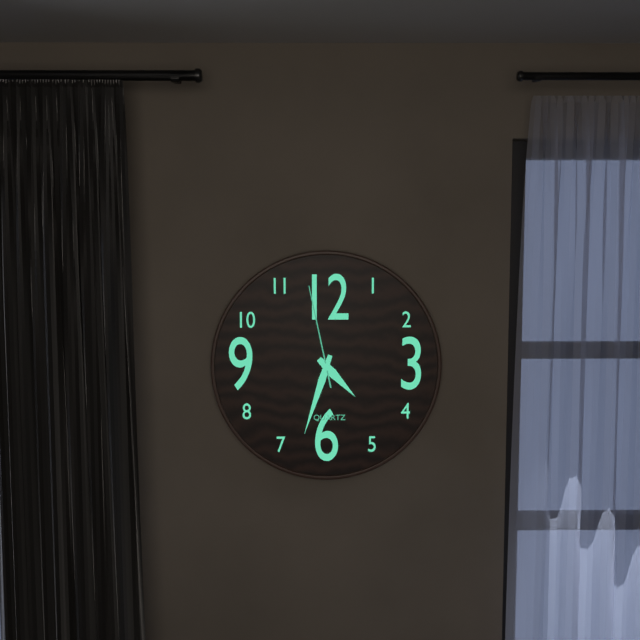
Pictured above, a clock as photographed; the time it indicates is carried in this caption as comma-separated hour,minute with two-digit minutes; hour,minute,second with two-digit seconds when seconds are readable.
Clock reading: 4,33,58
